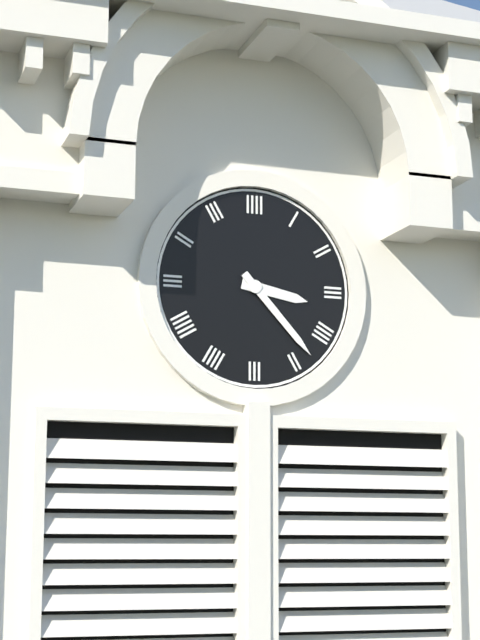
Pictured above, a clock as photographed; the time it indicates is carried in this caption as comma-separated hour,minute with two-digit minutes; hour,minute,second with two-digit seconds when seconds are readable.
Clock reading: 3,23
